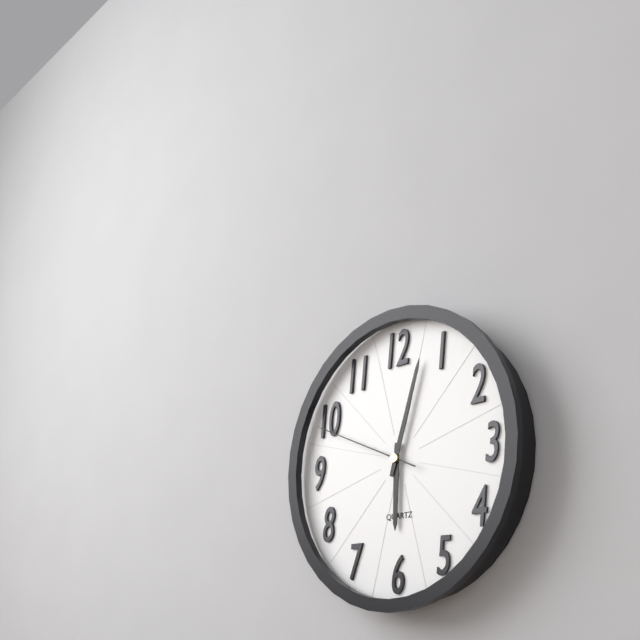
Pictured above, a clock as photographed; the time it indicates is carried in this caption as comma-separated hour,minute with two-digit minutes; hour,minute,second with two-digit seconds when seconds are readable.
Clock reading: 6,03,49
